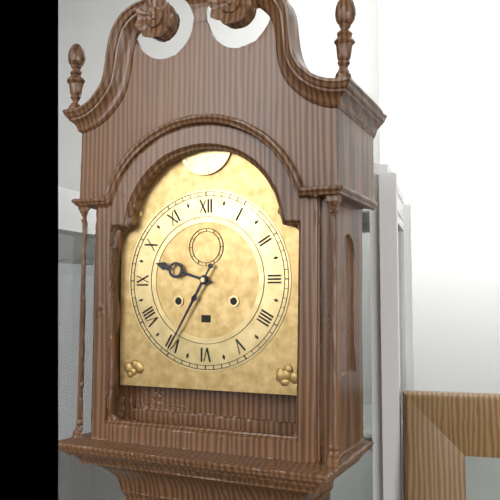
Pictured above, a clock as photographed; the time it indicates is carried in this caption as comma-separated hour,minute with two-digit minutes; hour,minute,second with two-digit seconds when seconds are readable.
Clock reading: 9,35
